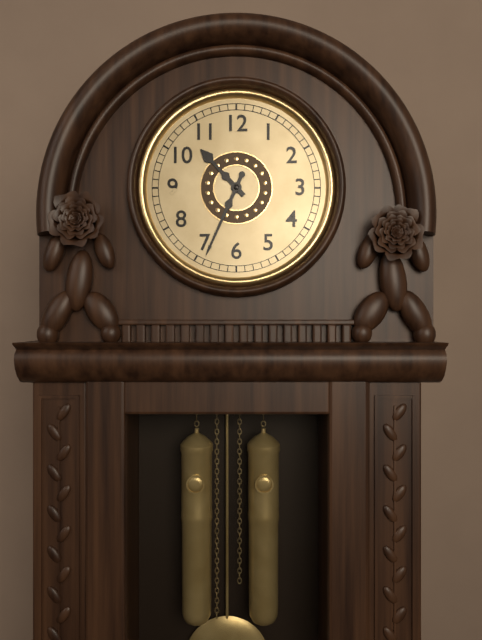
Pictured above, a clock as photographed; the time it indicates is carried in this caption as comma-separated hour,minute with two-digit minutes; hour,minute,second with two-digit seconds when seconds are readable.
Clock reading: 10,34
